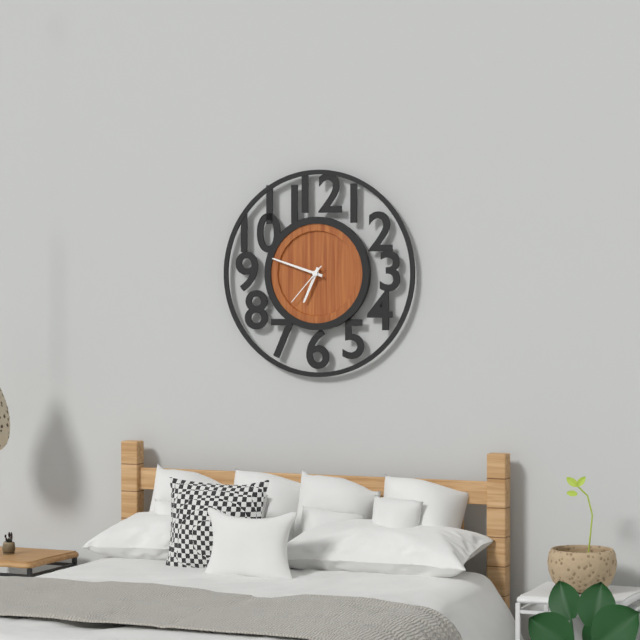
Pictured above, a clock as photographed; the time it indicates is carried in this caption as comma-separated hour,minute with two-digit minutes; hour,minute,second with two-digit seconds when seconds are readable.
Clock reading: 6,48
